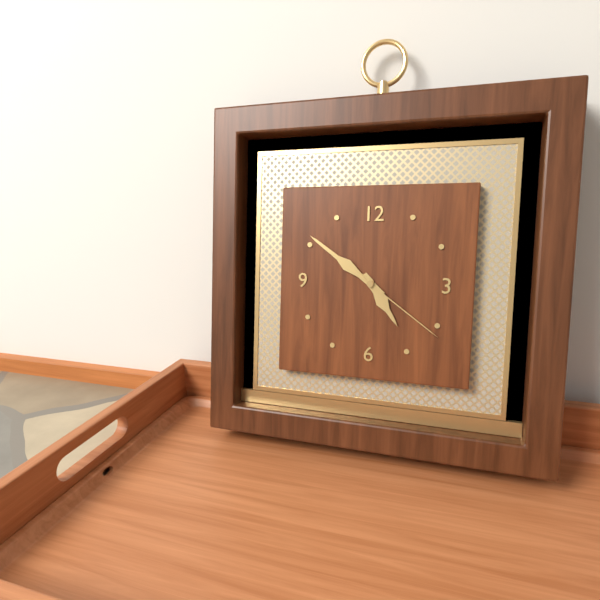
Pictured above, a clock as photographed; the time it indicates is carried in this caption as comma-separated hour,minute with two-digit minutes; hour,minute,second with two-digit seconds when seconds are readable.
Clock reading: 4,51,21
